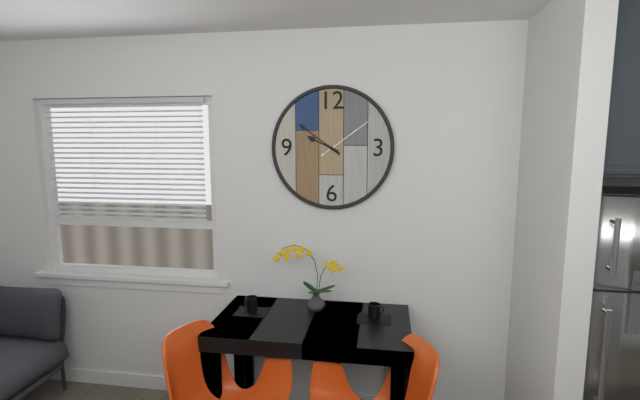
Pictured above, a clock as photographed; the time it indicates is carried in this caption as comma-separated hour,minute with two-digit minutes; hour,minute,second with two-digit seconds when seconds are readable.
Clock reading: 9,51,09
